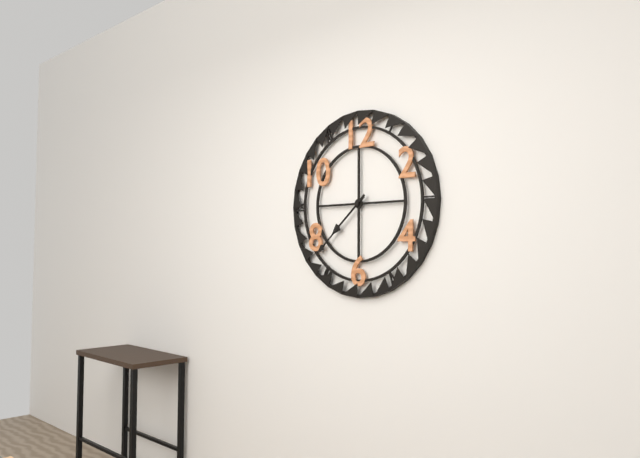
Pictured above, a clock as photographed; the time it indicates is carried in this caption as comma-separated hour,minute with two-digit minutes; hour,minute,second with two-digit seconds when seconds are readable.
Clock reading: 7,38
